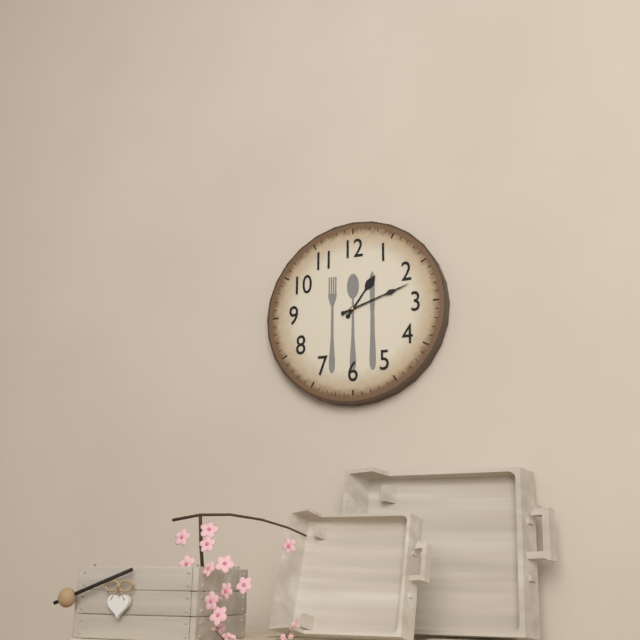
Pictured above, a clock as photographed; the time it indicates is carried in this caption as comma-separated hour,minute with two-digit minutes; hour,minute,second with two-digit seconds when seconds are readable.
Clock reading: 1,12
